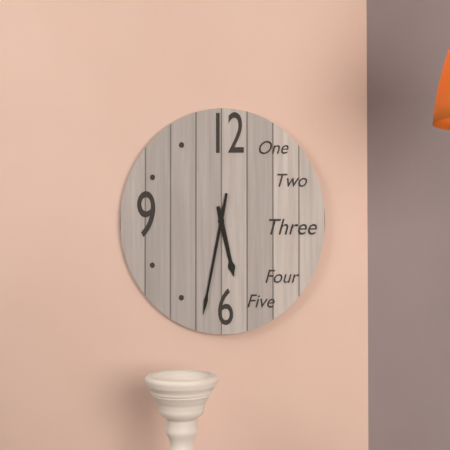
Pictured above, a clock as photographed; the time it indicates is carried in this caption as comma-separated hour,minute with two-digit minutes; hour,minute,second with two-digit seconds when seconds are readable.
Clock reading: 5,32
